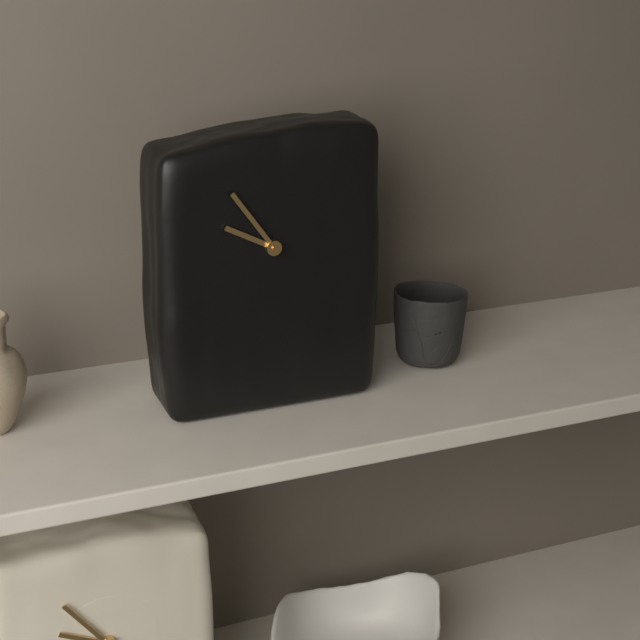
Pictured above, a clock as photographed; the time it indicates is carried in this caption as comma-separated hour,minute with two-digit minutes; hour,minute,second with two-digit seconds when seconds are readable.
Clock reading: 9,54
